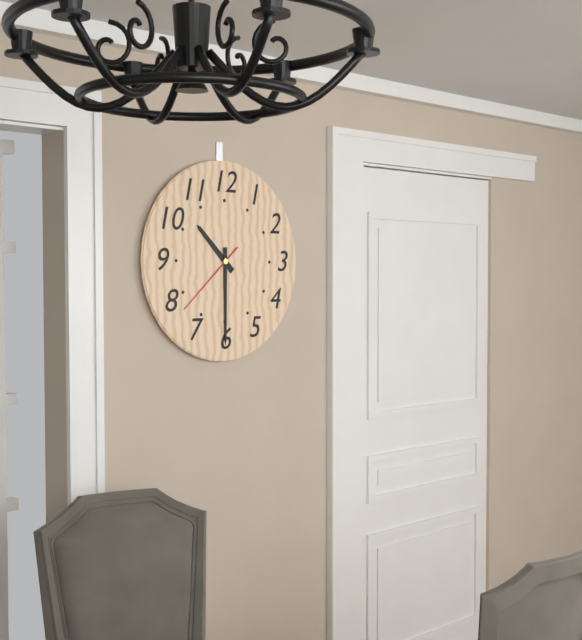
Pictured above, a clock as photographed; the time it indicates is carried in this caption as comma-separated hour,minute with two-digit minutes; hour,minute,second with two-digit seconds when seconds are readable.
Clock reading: 10,30,38
